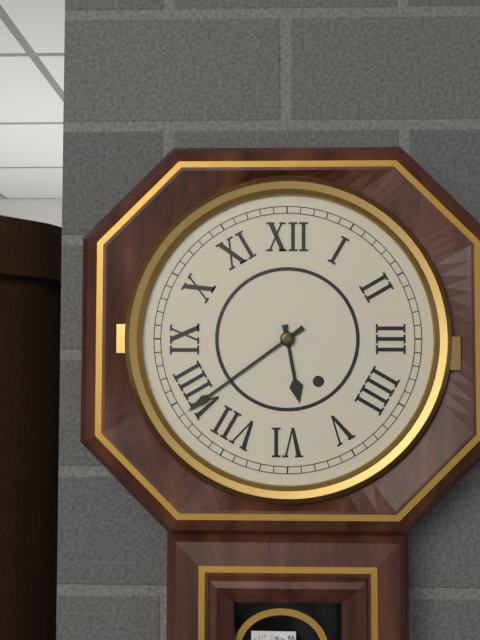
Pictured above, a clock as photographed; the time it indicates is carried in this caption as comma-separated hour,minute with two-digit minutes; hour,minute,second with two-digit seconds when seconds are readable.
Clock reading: 5,39
